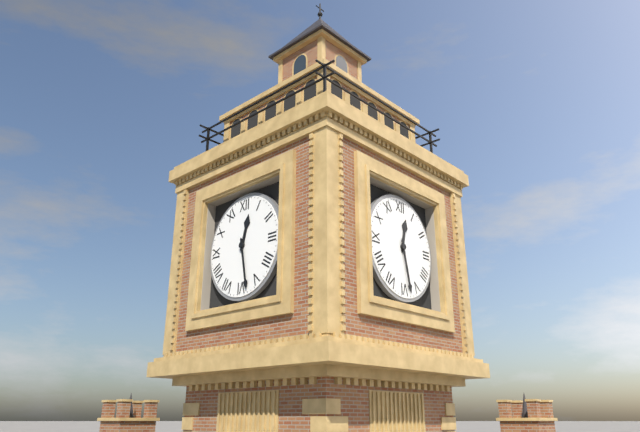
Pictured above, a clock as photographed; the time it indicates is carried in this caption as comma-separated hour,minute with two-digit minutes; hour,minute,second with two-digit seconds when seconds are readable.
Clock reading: 12,28
